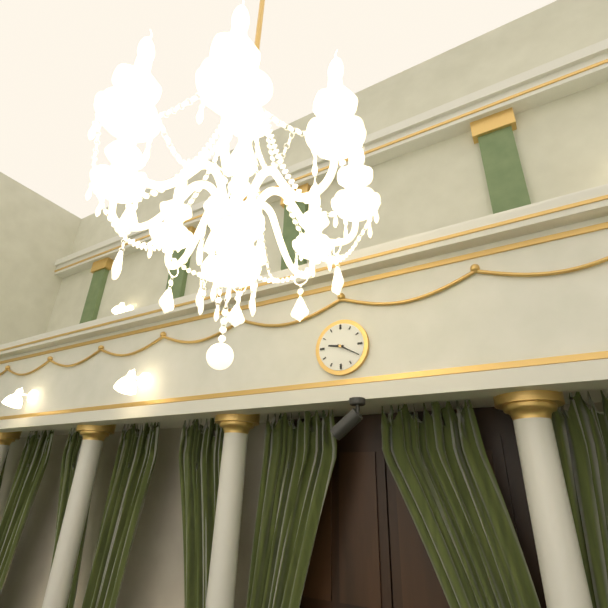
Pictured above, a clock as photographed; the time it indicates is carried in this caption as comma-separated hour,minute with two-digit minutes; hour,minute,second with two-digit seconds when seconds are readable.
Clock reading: 9,20
